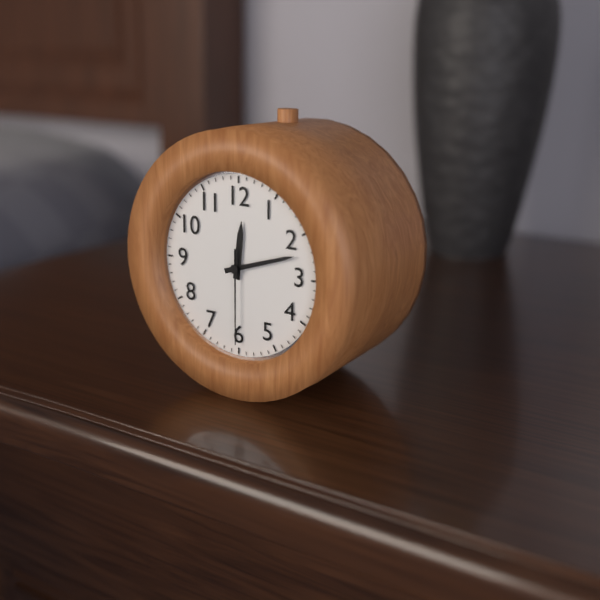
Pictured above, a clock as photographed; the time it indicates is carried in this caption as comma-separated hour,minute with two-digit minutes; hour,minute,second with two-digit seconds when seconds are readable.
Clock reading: 12,12,30
